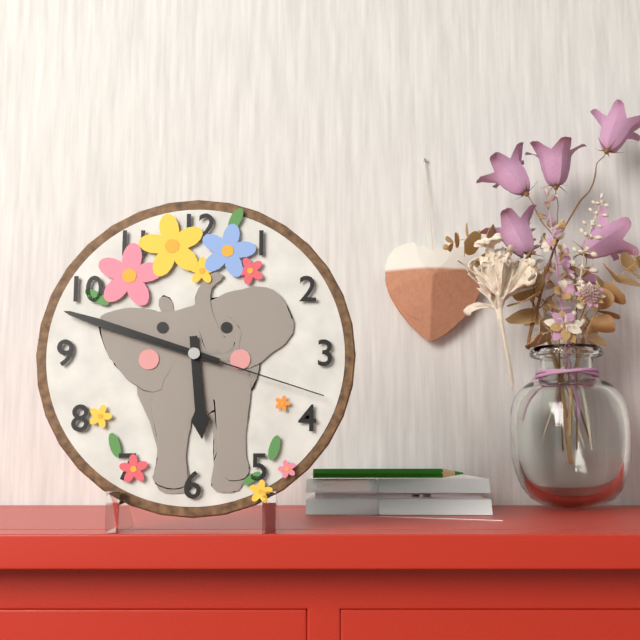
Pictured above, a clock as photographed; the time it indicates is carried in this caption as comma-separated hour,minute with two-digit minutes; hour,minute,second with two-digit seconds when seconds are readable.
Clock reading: 5,48,18
